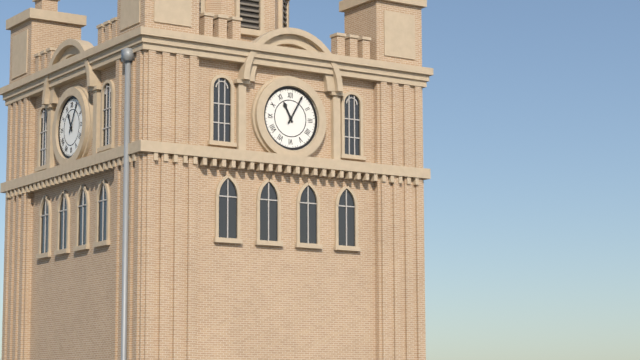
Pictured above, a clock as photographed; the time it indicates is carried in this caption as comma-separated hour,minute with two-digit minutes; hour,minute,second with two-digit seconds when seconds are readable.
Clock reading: 11,05
